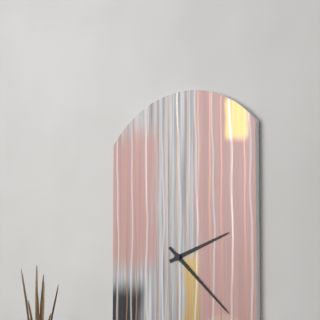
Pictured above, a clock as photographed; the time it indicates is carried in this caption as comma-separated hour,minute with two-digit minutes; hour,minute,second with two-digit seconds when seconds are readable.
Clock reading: 2,22
